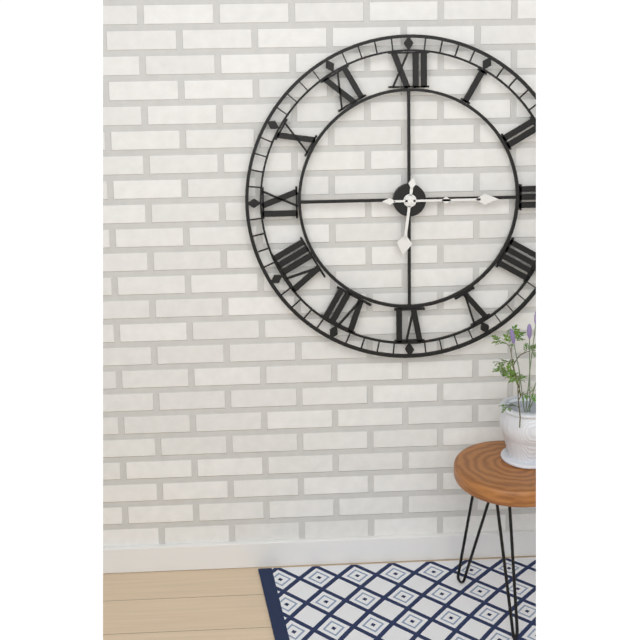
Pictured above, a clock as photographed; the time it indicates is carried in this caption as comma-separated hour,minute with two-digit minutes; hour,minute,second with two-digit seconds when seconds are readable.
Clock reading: 6,15
